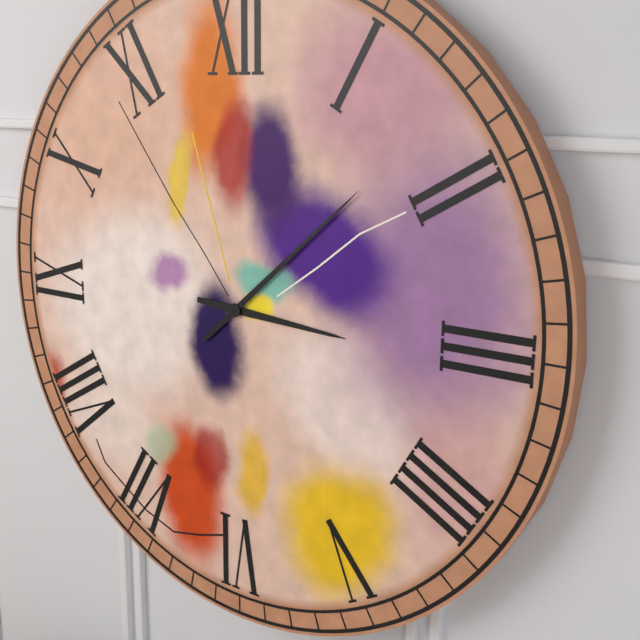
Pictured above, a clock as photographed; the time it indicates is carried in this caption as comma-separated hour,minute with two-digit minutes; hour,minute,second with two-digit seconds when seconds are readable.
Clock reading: 3,08
